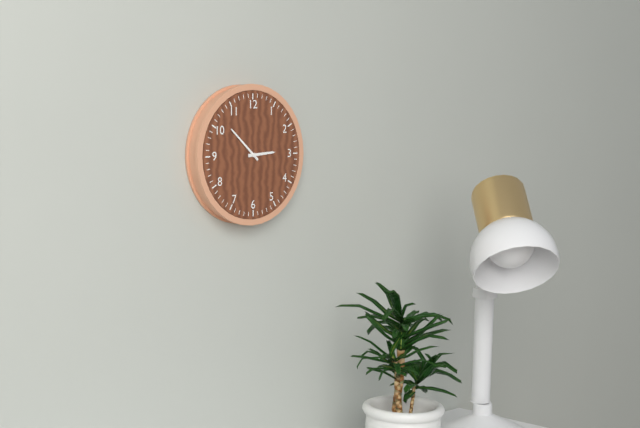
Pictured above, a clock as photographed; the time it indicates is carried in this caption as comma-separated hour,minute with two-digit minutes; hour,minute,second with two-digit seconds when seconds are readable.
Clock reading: 2,52
